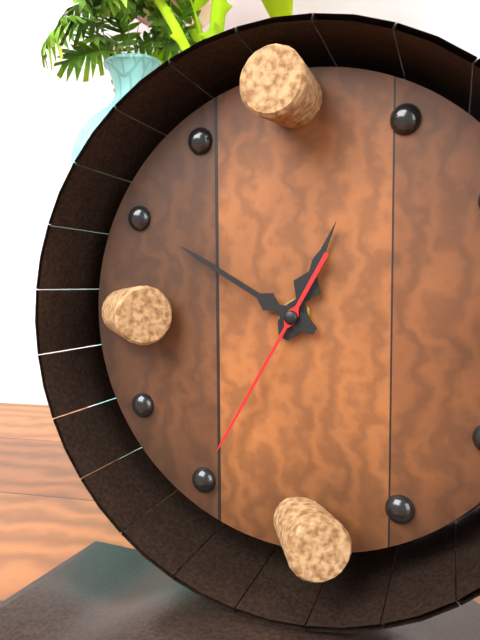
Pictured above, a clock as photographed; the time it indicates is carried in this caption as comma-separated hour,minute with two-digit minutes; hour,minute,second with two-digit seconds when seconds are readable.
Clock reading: 12,50,35
